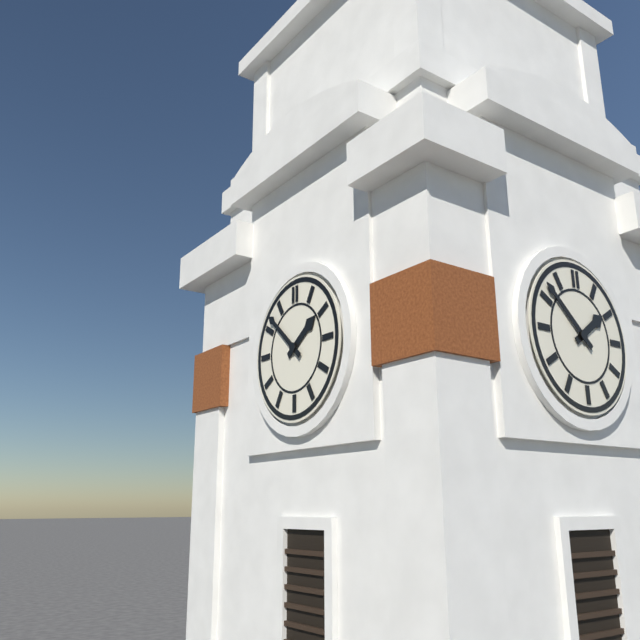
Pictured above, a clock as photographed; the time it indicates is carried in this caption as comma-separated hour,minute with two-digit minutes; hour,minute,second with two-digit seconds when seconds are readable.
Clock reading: 1,52
